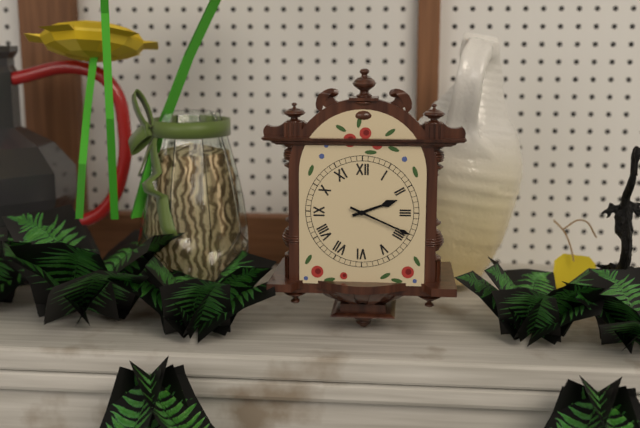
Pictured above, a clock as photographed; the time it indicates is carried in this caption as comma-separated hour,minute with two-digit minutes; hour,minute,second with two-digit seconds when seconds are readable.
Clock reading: 2,19
